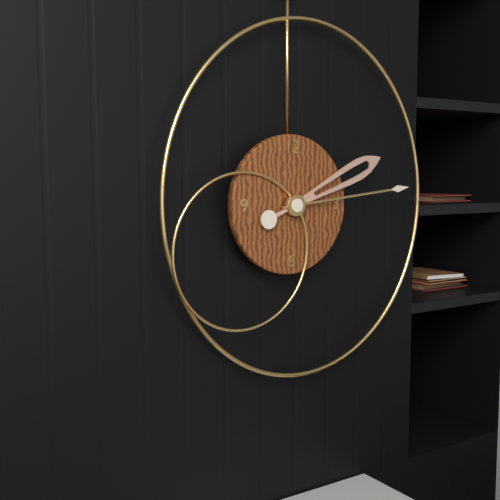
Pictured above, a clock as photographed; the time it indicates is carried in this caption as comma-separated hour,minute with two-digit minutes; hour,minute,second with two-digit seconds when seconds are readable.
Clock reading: 2,14
